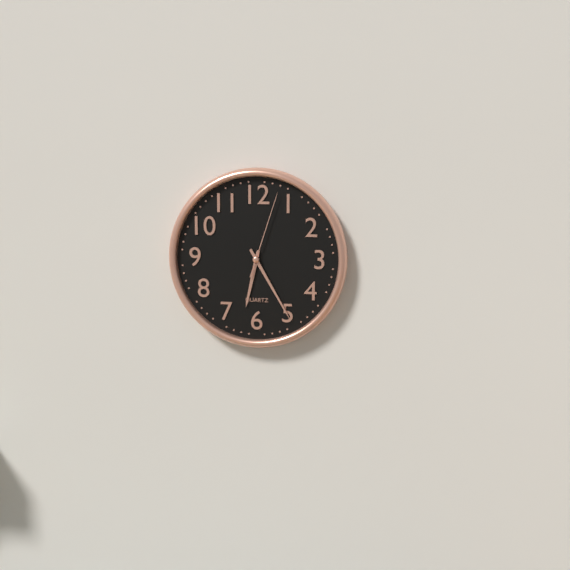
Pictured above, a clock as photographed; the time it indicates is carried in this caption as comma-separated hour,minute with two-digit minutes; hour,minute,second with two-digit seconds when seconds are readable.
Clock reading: 6,25,03
